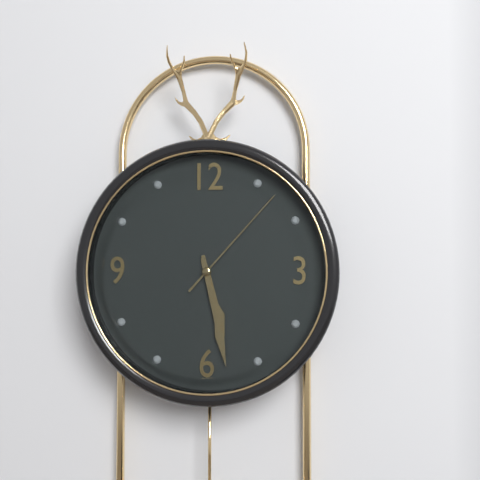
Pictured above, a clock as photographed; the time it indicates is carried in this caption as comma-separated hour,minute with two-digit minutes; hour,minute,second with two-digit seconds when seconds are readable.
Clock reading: 5,28,07
